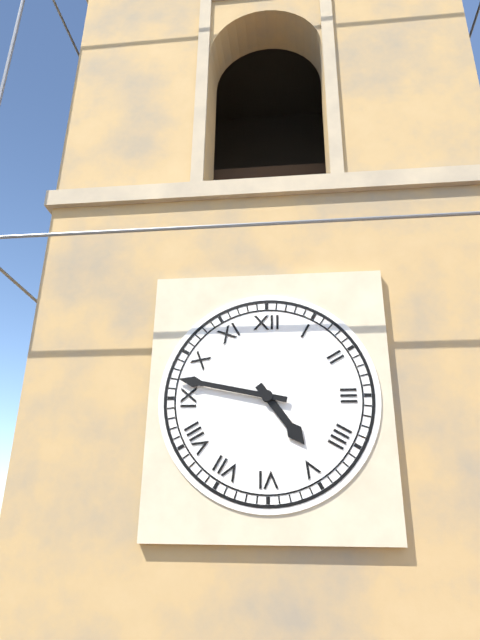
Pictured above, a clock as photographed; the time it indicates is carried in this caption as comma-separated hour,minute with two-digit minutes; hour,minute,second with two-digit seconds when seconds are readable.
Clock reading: 4,47
